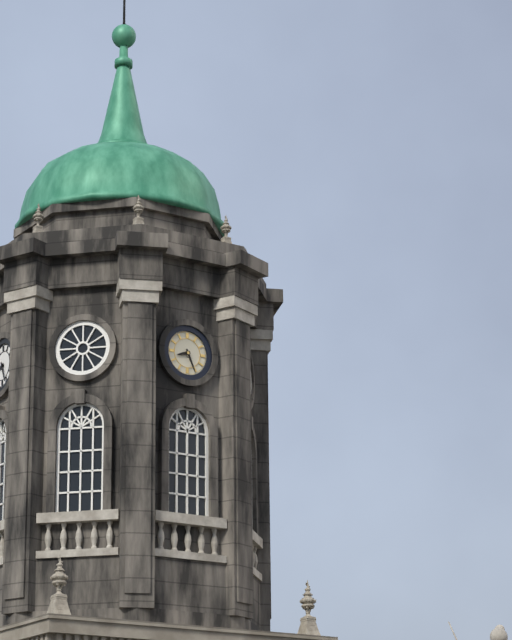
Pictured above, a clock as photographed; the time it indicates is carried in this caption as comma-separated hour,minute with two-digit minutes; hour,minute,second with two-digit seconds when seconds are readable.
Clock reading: 8,26
